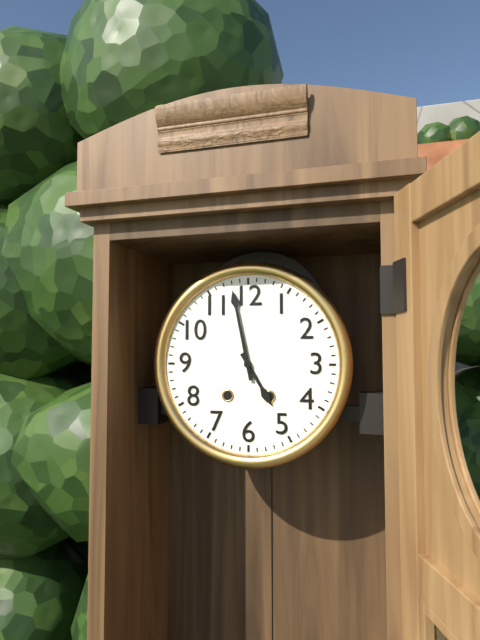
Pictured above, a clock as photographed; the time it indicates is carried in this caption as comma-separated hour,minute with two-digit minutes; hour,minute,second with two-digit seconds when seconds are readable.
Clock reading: 4,58
